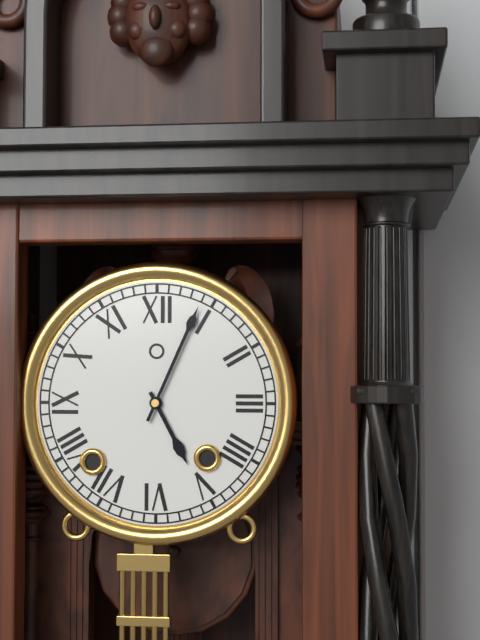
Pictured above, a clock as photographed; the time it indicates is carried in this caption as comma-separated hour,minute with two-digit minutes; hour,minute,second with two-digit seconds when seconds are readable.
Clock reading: 5,04
